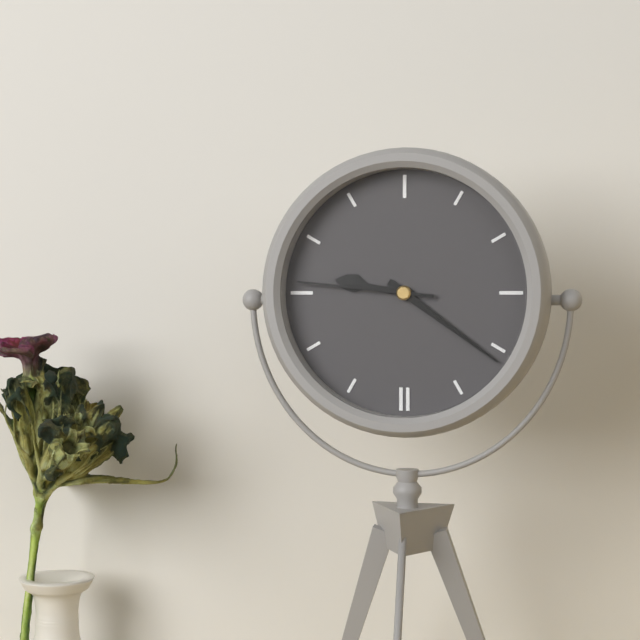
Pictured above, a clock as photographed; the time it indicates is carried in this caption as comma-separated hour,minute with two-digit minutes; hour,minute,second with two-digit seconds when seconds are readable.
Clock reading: 9,21,46
